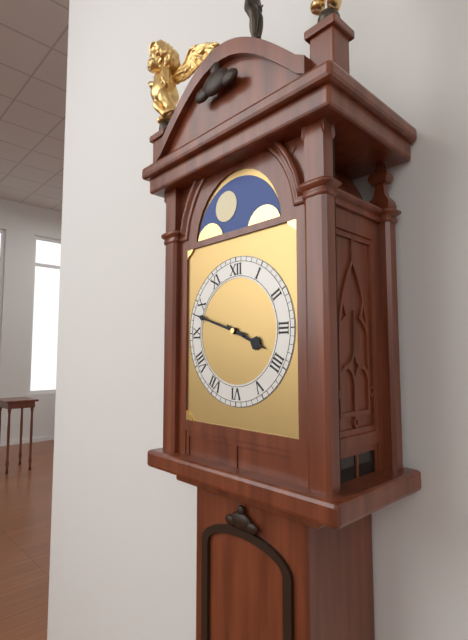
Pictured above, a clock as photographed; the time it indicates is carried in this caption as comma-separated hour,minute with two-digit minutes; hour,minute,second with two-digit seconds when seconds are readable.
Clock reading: 3,48
